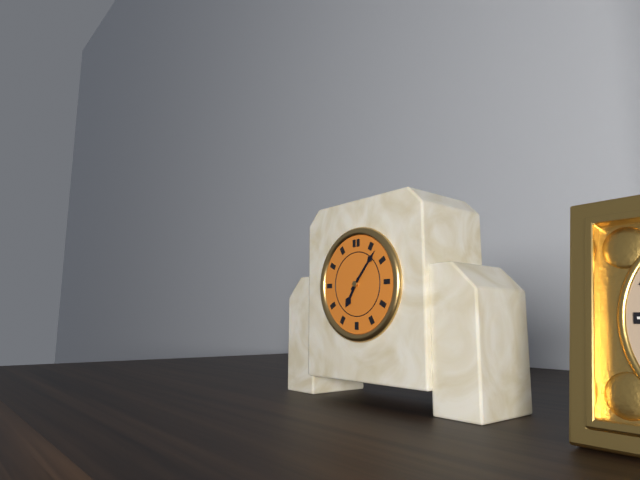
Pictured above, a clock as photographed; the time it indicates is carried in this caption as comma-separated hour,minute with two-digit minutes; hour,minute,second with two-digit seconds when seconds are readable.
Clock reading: 7,07
